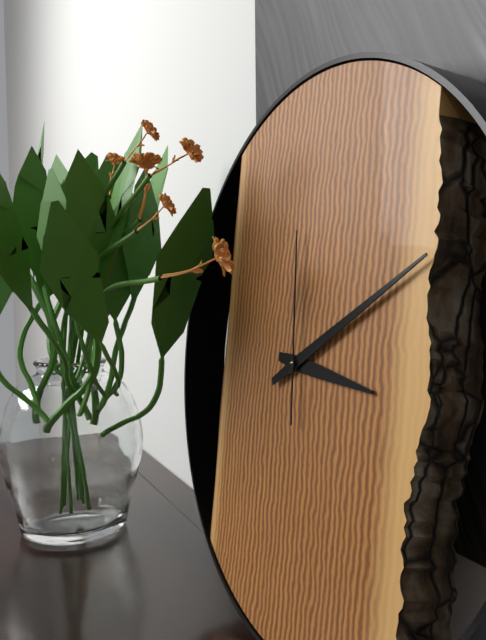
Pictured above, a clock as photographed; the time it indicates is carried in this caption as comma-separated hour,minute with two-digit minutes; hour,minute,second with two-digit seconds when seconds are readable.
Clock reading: 3,10,59
